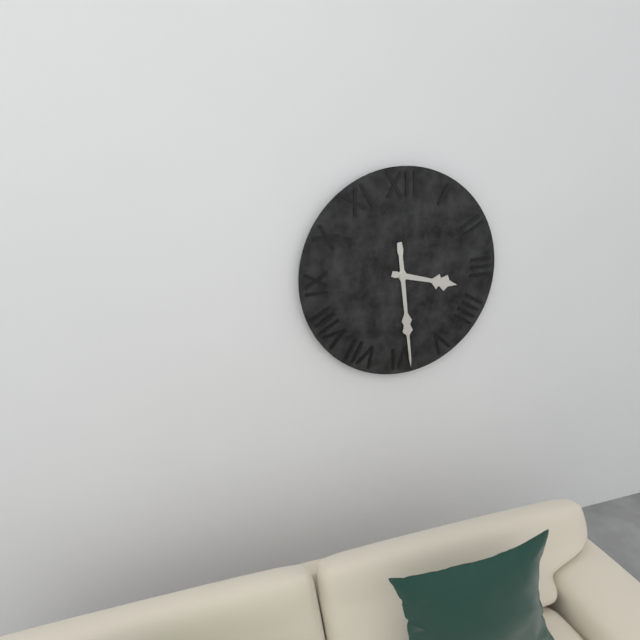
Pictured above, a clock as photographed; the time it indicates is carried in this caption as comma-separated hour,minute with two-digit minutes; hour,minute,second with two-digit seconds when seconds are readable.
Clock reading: 3,29
